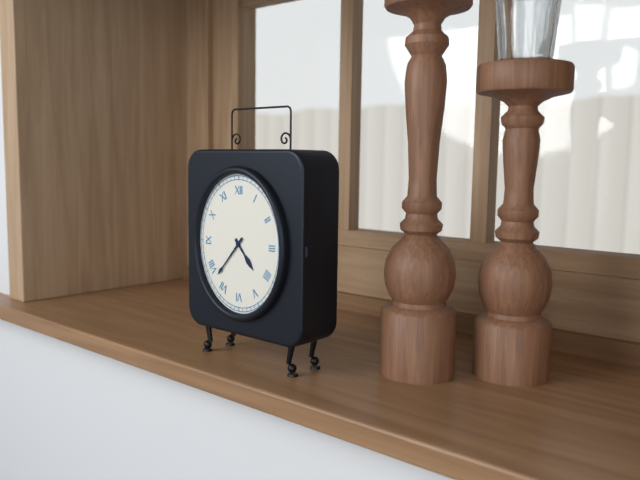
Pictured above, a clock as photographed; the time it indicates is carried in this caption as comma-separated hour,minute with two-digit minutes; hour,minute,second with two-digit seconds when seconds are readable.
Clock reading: 4,37
